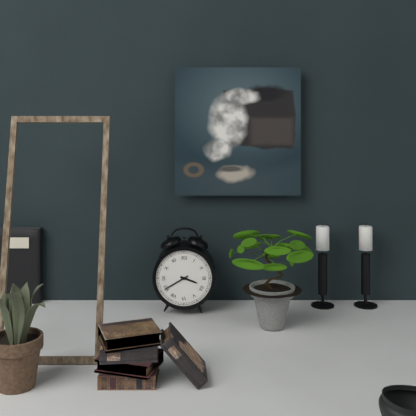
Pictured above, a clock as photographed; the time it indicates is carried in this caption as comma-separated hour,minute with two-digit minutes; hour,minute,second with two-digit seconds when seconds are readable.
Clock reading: 3,40
